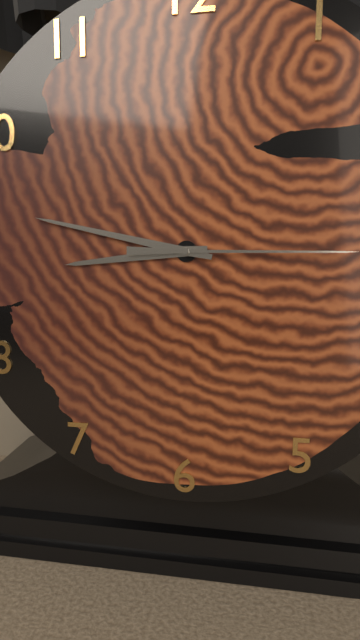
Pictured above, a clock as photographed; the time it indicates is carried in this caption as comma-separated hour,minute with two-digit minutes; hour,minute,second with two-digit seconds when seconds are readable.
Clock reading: 8,47
